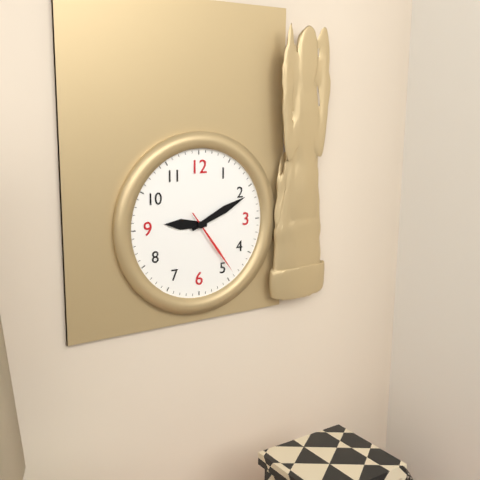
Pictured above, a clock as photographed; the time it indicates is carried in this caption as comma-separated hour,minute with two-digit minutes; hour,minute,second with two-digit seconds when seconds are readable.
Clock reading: 9,11,24
